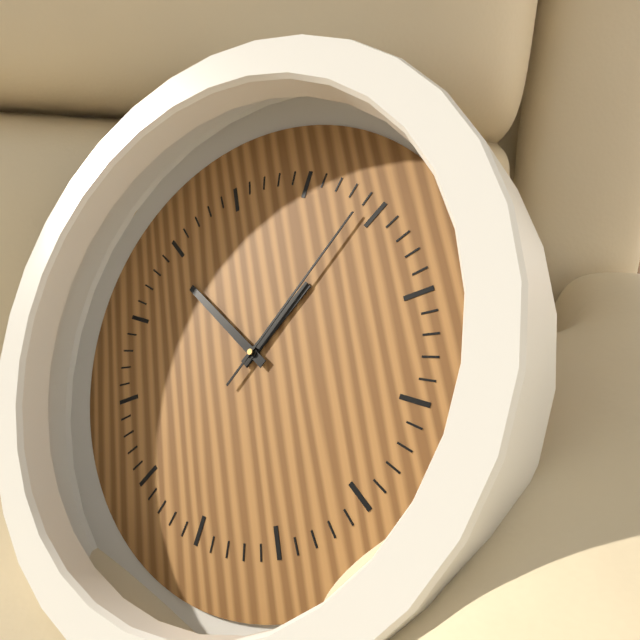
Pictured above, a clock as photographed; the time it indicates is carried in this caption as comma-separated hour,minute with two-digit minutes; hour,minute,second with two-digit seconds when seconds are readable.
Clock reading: 1,54,09
